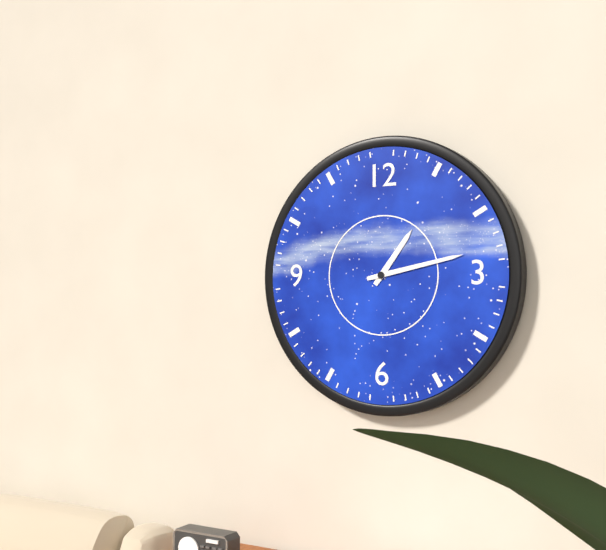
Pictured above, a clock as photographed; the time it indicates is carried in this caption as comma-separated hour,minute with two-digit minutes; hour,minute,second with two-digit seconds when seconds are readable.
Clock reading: 1,13
